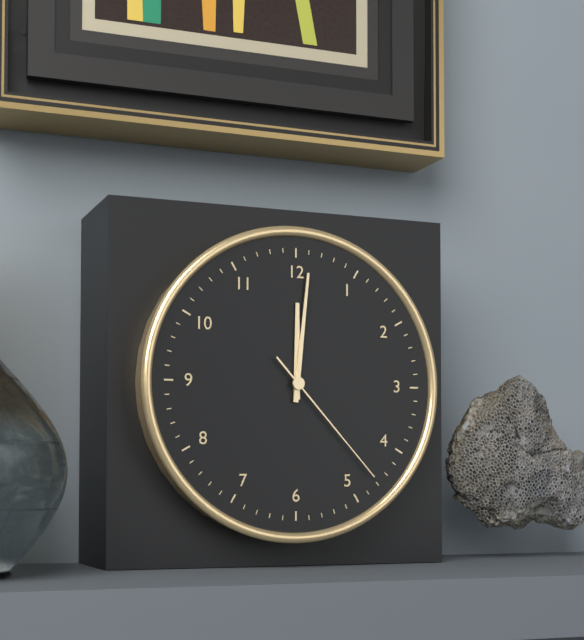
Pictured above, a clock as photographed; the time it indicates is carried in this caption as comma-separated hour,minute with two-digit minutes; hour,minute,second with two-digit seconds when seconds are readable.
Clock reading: 12,01,23
